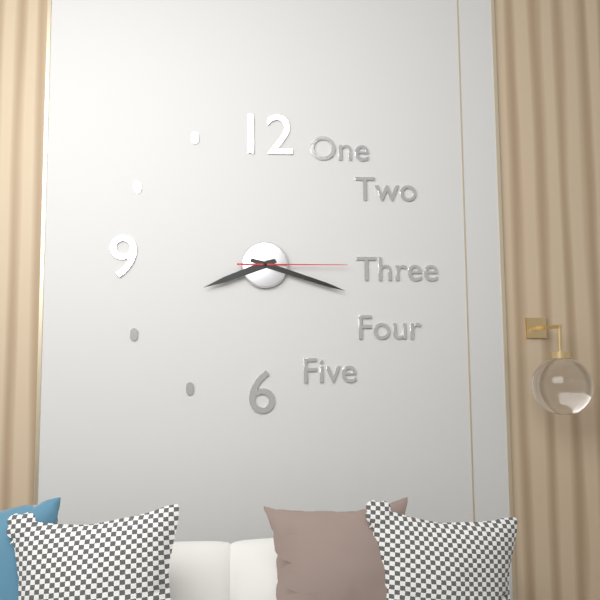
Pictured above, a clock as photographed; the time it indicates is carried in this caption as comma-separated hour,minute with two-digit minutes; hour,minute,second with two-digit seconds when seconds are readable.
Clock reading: 8,18,15
